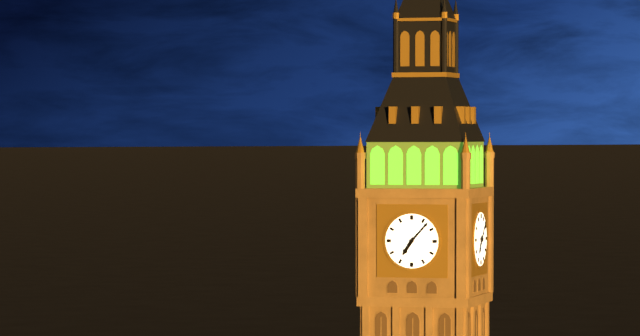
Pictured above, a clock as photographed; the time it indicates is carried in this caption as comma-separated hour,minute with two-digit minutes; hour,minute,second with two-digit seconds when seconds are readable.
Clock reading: 7,07
